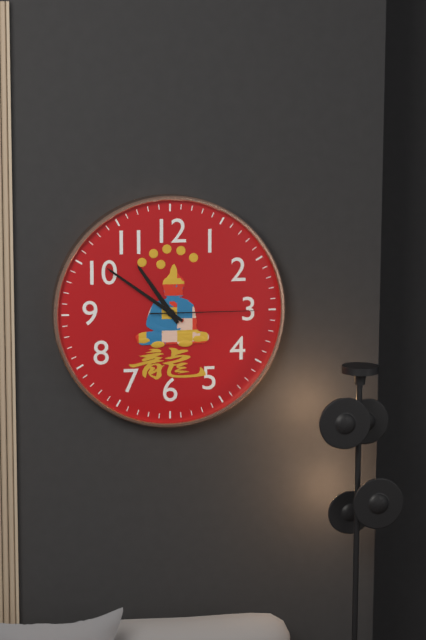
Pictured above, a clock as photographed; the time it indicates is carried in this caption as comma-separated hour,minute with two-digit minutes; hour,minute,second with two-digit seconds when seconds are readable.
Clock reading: 10,51,15
